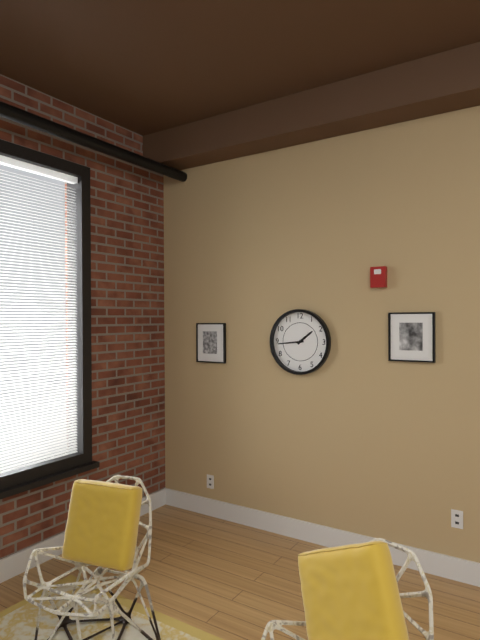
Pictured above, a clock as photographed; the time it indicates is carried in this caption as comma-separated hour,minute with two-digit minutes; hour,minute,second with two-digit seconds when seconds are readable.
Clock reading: 1,44
